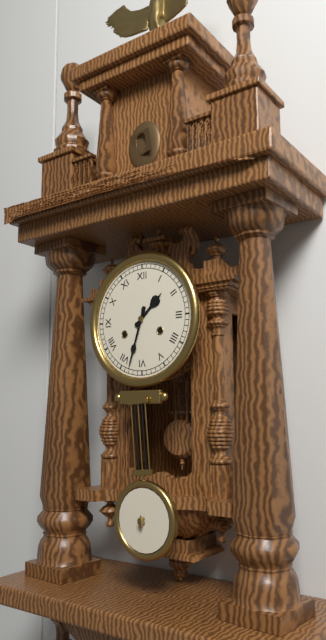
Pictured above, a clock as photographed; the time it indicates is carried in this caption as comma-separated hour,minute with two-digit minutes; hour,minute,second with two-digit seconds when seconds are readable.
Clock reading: 1,33
